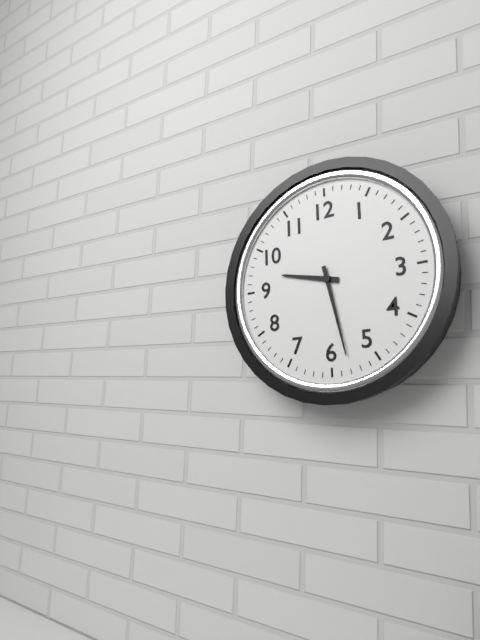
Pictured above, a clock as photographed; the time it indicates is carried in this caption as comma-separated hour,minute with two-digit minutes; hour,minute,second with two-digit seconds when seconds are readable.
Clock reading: 9,28
